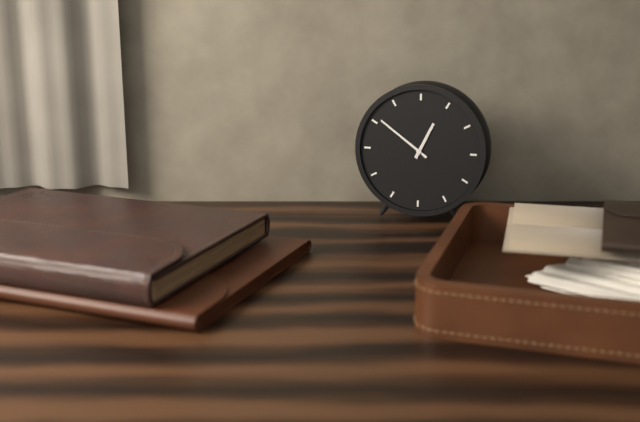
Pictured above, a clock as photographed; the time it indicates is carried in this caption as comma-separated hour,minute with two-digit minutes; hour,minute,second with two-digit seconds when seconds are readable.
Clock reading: 12,51
